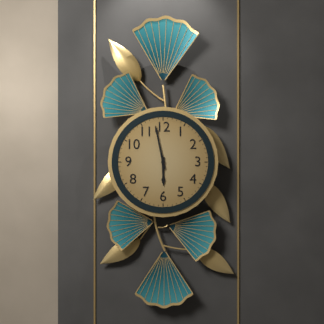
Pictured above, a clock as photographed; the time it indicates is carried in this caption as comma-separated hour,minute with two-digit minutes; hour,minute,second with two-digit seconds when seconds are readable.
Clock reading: 5,58
